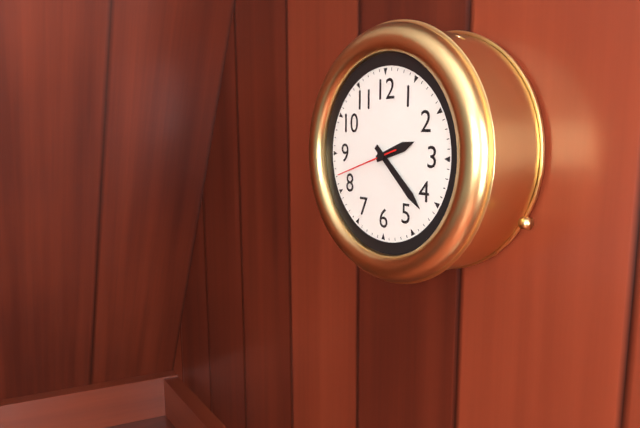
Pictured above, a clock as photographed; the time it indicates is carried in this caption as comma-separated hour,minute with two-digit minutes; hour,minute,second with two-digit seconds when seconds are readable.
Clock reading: 2,22,42
